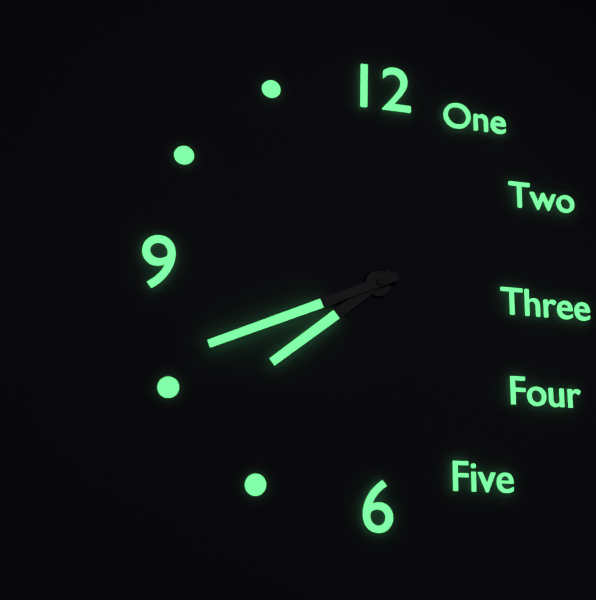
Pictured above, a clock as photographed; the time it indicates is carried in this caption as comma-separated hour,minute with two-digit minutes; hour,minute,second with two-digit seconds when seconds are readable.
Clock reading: 7,41
